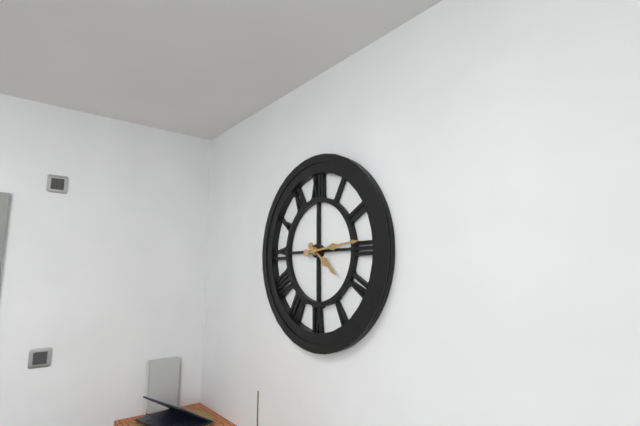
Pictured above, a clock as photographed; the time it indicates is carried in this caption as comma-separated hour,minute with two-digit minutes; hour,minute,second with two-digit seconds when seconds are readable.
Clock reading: 4,14
